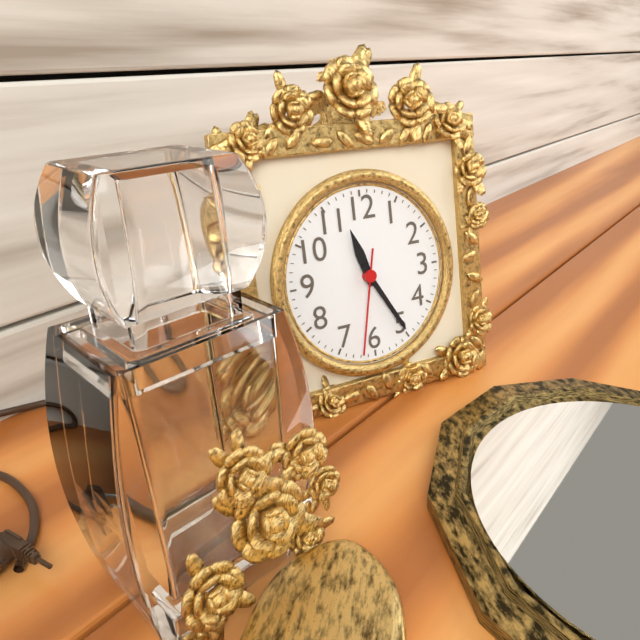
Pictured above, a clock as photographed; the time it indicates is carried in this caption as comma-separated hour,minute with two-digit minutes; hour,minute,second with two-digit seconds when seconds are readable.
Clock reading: 11,25,32
